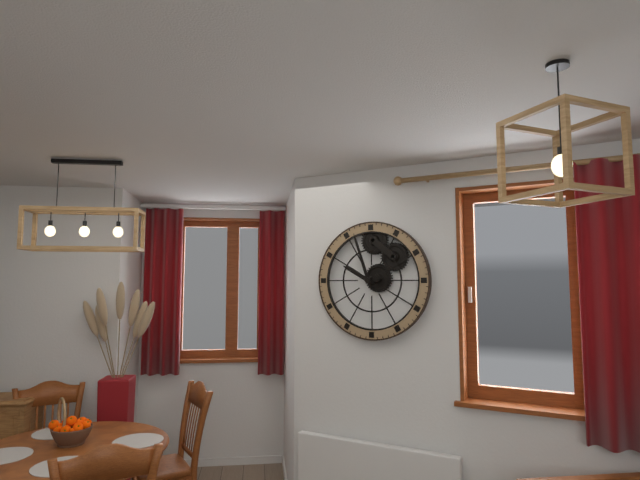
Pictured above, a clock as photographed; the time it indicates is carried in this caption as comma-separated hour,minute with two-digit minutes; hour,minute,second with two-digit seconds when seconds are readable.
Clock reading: 9,57
